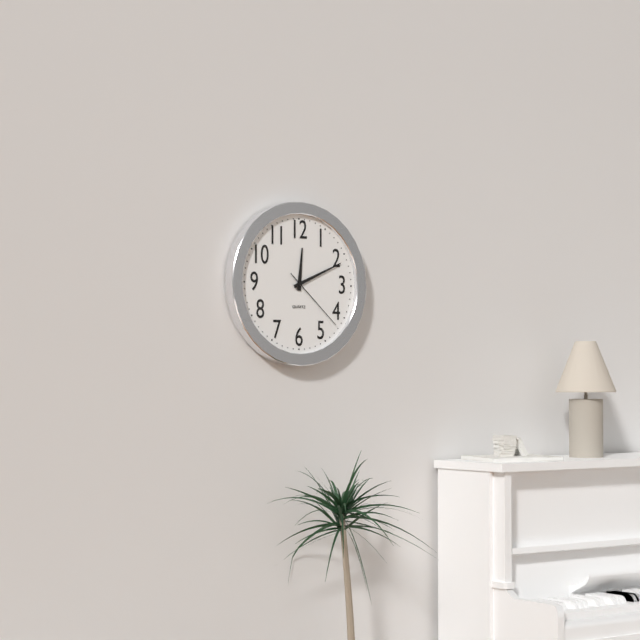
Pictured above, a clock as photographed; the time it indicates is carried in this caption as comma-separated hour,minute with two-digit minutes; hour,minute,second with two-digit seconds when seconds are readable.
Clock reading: 12,11,22
